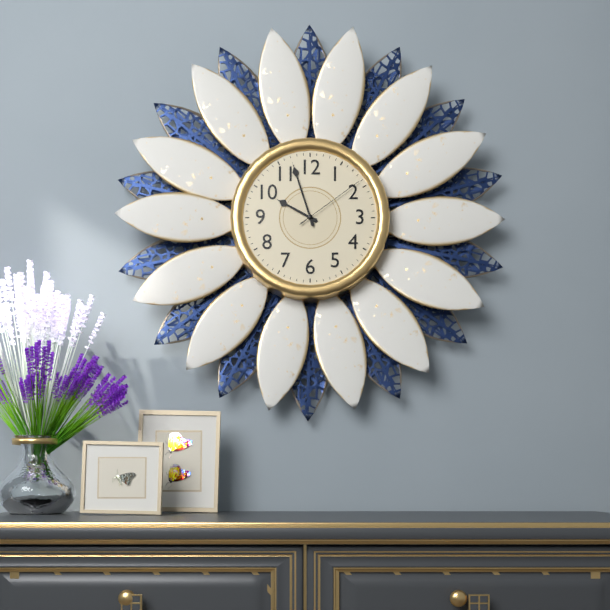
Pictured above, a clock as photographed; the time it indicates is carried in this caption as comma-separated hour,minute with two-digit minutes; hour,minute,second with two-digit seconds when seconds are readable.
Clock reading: 9,57,09
